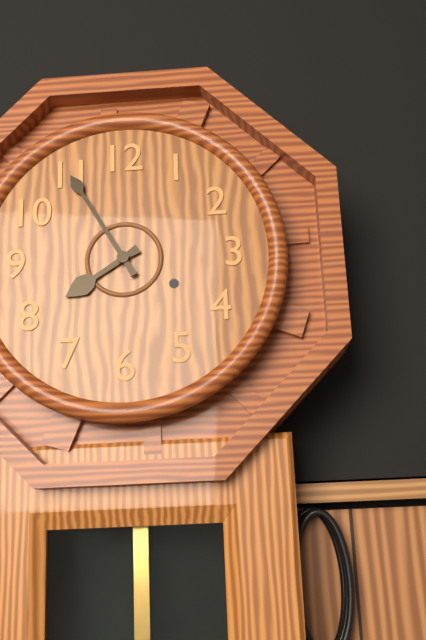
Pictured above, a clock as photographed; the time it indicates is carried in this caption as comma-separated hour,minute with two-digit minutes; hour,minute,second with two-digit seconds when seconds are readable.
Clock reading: 7,55
